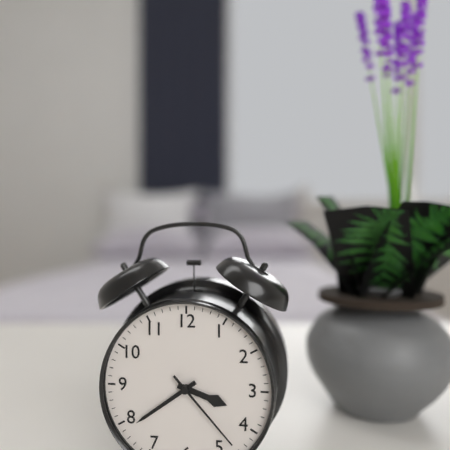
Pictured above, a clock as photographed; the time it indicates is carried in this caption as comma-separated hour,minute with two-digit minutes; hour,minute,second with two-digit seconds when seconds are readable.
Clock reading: 3,39,23
